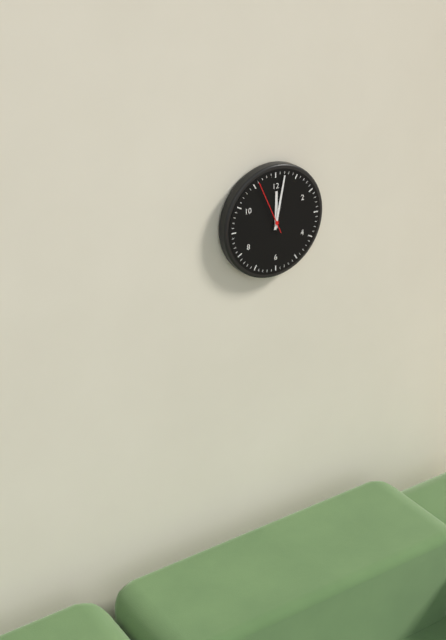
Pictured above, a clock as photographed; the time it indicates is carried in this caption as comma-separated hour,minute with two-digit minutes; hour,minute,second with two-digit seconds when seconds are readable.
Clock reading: 12,02,56
